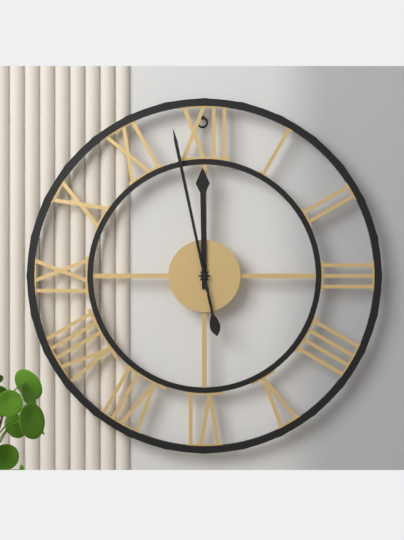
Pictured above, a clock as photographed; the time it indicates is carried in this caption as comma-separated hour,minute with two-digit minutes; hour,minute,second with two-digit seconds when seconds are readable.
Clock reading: 11,58
